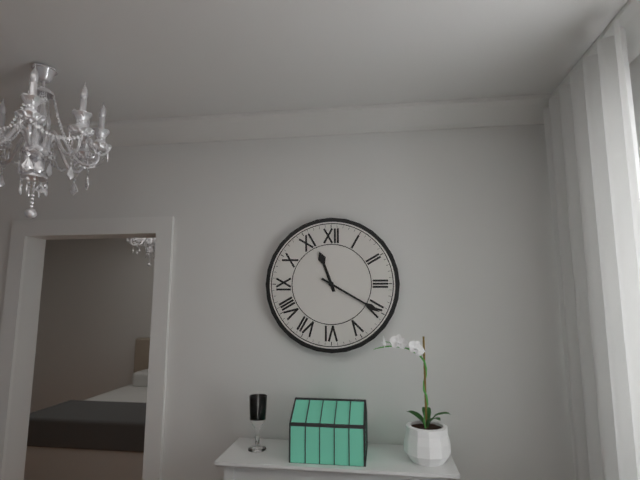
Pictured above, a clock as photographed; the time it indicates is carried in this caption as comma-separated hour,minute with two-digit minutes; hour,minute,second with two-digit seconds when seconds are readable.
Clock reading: 11,20
